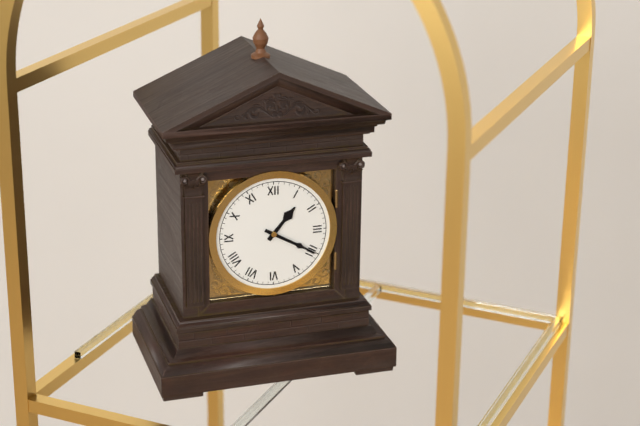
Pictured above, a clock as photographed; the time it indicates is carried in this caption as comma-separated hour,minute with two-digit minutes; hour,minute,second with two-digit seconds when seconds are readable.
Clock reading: 1,20
